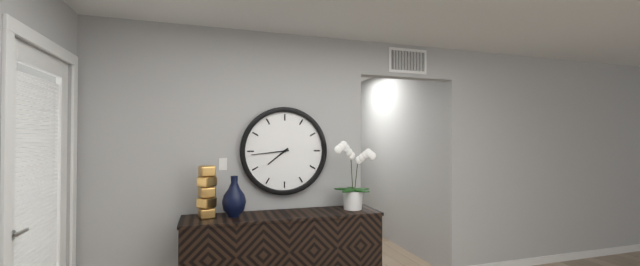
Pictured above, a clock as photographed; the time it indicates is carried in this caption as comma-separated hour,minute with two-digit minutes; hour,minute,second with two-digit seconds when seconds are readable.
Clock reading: 7,44
